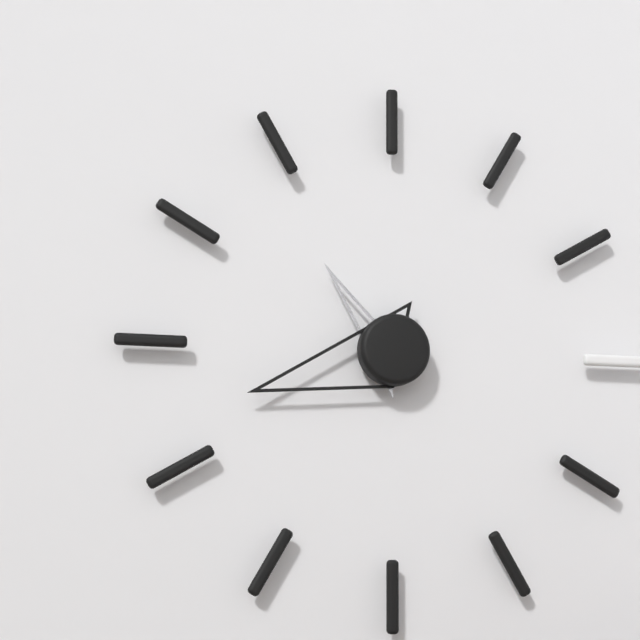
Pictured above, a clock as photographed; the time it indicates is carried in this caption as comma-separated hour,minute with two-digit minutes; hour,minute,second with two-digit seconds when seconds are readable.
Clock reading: 10,42
